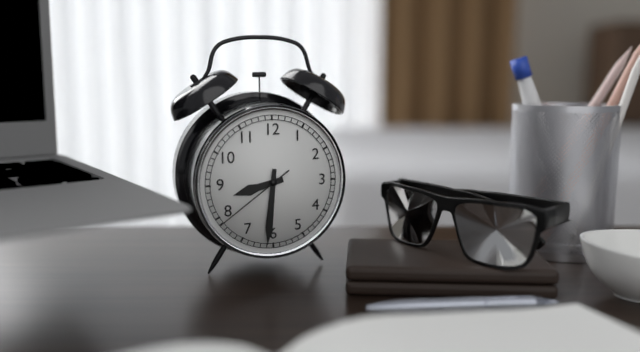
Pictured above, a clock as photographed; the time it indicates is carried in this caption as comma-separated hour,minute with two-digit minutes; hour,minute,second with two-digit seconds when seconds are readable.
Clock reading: 8,31,39
